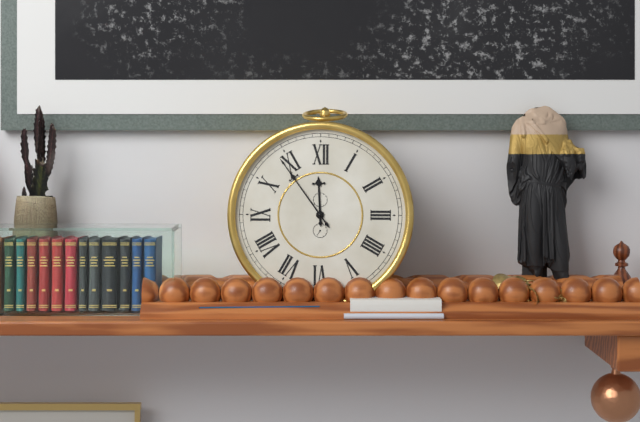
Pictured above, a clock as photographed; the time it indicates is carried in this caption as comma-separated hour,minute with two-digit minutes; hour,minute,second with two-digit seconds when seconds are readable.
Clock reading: 11,54
